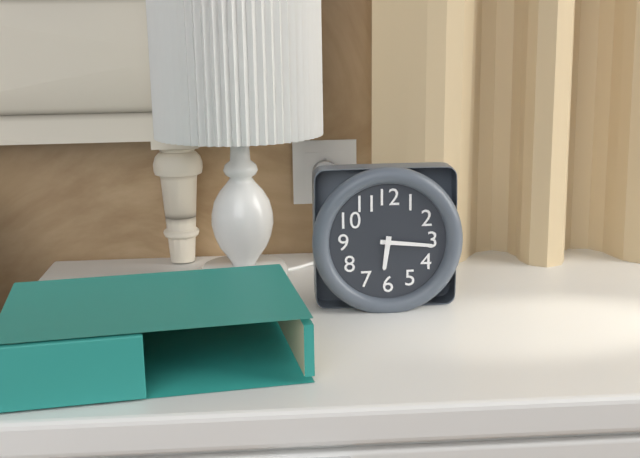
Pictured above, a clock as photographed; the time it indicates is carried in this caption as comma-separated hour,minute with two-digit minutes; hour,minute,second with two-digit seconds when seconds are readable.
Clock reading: 6,16
